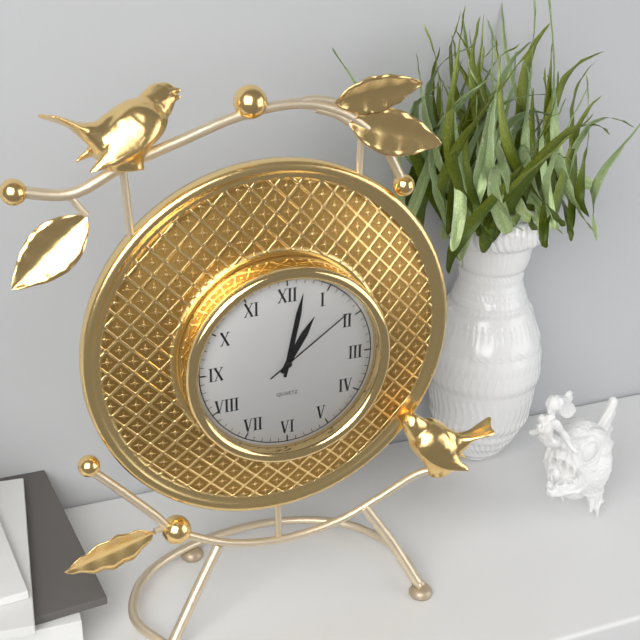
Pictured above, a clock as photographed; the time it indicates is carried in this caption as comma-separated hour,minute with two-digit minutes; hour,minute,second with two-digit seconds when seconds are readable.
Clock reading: 1,02,09
